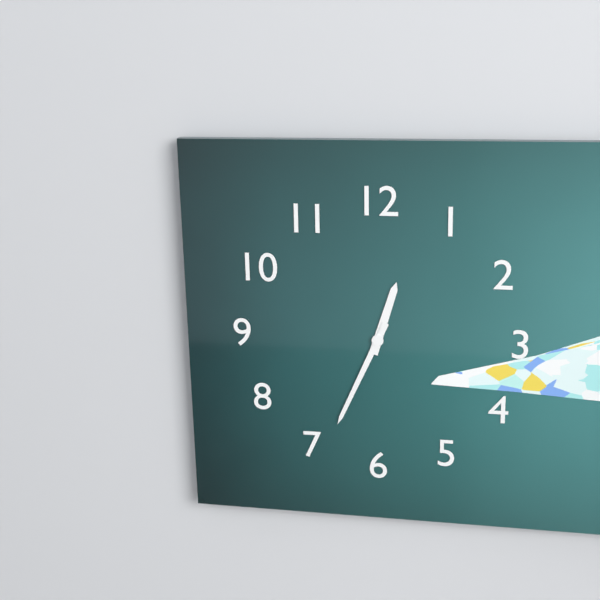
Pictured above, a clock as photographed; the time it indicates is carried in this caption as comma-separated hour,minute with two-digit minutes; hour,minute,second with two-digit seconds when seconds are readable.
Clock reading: 12,34
